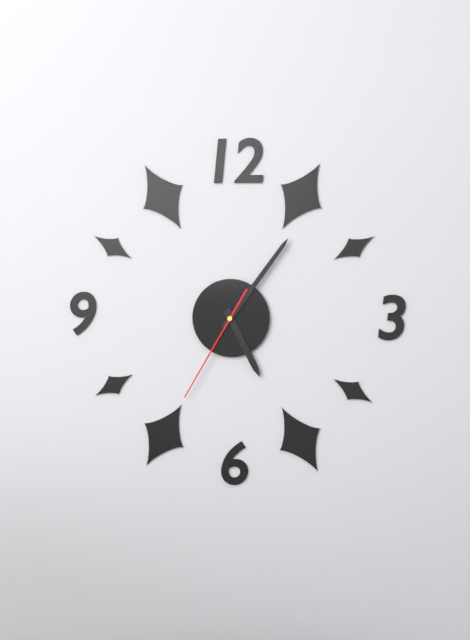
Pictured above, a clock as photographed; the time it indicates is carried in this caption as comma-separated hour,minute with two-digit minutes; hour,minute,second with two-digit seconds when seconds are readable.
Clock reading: 5,06,35
